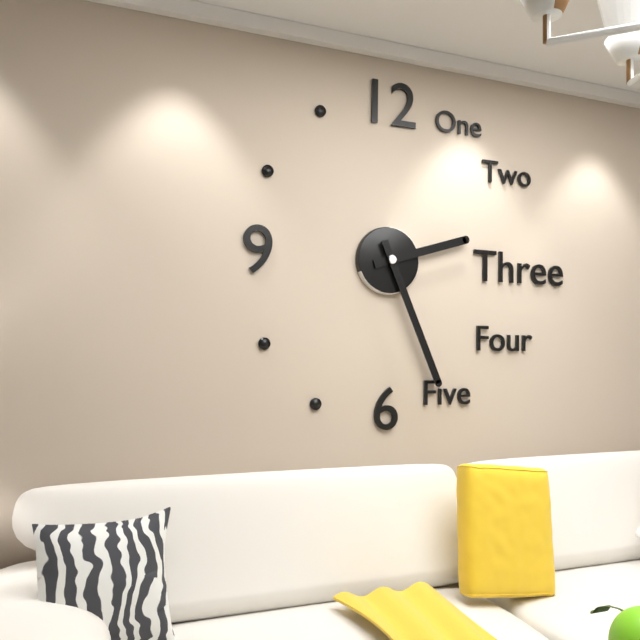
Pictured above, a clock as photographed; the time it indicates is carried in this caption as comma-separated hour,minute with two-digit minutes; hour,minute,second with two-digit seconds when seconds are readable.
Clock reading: 2,26
